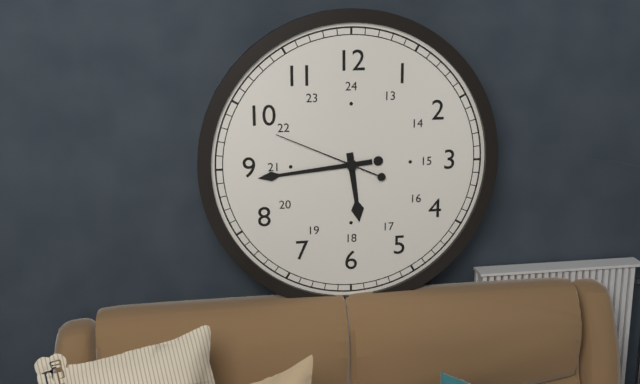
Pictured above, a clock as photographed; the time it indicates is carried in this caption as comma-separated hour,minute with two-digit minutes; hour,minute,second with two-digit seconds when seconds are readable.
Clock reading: 5,44,49
